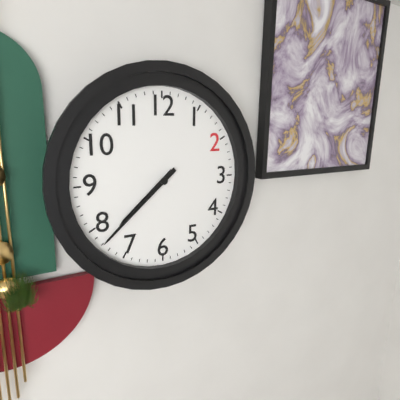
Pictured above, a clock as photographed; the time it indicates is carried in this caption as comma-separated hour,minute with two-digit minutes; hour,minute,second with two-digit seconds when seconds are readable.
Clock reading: 7,38
